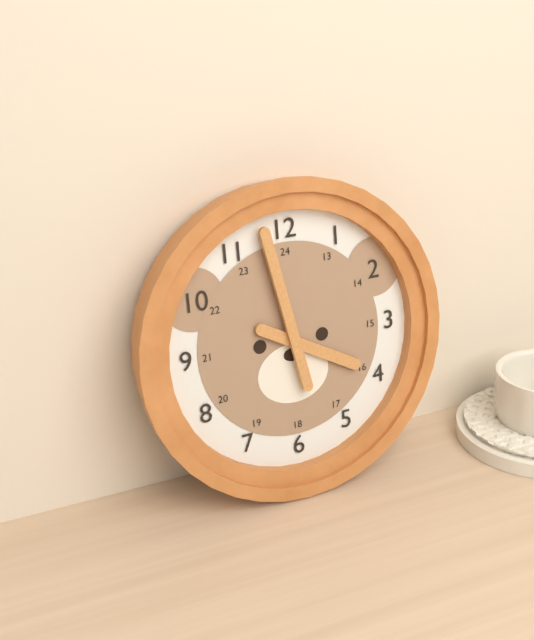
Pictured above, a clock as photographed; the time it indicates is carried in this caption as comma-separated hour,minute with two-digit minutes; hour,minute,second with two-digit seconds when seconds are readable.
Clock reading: 3,58
